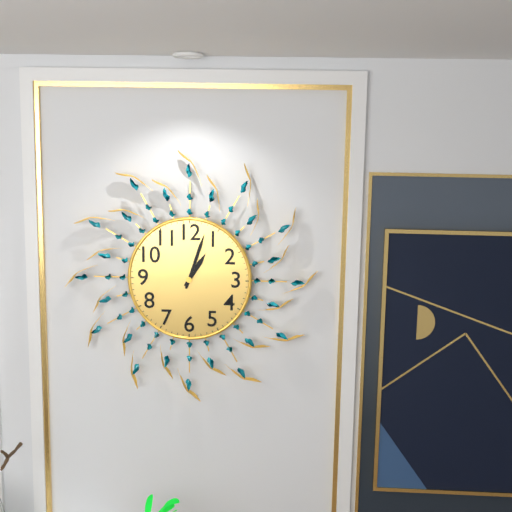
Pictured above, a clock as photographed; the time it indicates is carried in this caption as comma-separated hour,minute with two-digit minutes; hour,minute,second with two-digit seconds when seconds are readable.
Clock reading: 1,03
